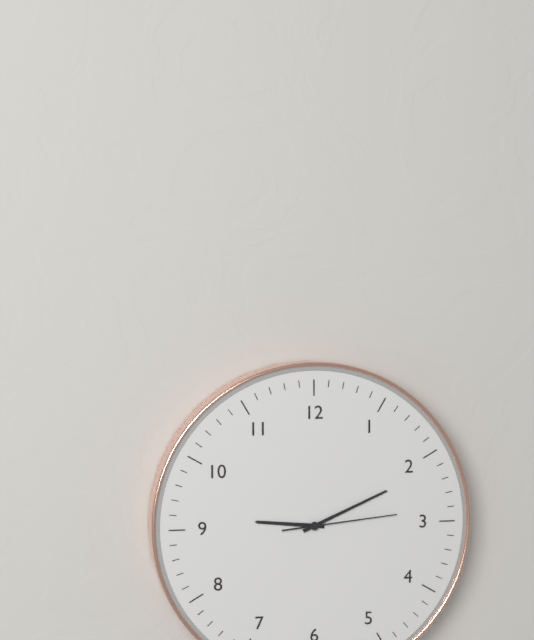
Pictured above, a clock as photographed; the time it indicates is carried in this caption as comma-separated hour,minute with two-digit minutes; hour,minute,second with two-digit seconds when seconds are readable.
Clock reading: 9,11,14
